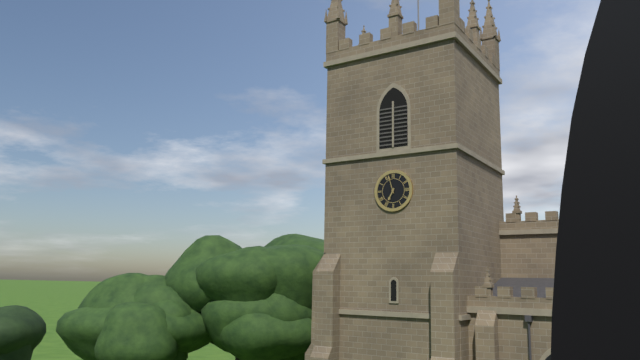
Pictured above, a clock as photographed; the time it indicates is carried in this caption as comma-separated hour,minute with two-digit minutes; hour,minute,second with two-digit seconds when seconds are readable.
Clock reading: 6,57
